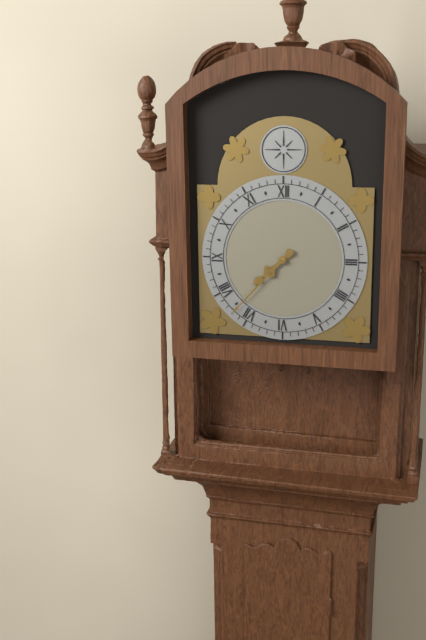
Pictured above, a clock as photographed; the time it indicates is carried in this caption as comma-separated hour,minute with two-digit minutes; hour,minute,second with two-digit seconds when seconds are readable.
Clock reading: 7,37
